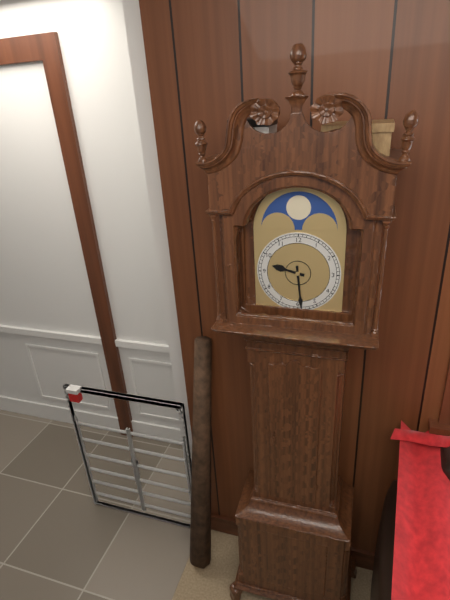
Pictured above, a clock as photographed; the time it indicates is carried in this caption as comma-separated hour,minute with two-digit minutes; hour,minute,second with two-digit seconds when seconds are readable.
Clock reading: 9,29
